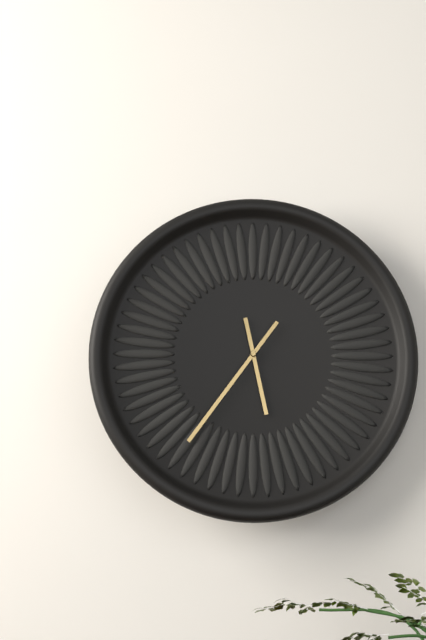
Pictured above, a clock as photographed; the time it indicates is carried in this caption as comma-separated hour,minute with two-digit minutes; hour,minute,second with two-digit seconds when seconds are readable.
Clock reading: 5,36
